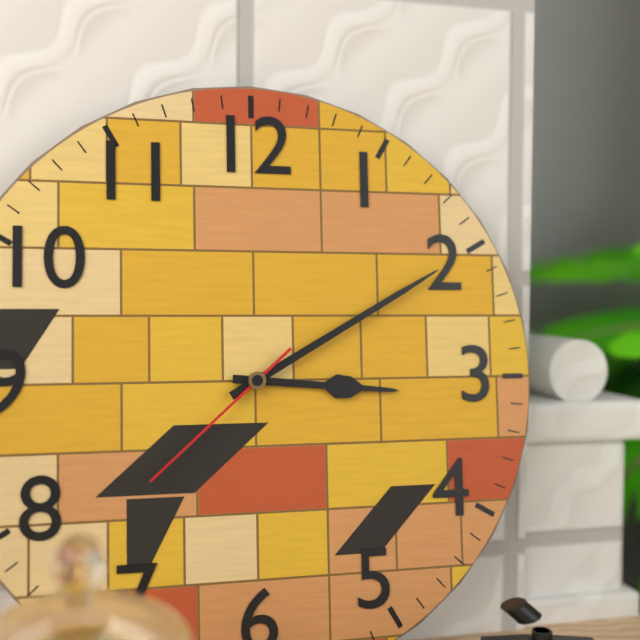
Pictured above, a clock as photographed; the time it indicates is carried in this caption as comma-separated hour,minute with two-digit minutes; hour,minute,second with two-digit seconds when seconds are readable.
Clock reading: 3,10,38
